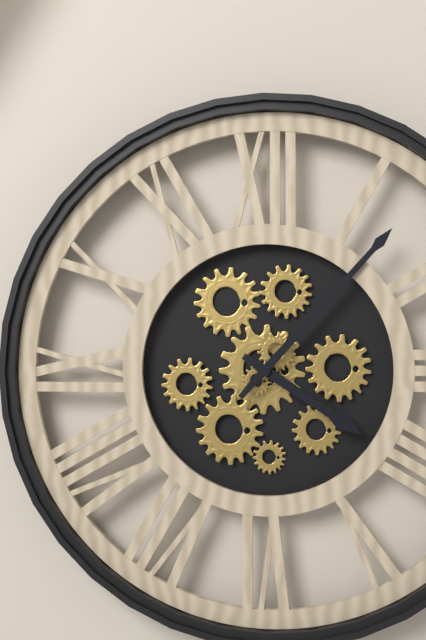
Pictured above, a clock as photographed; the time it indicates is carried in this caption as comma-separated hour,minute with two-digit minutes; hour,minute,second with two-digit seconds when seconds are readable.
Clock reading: 4,07
